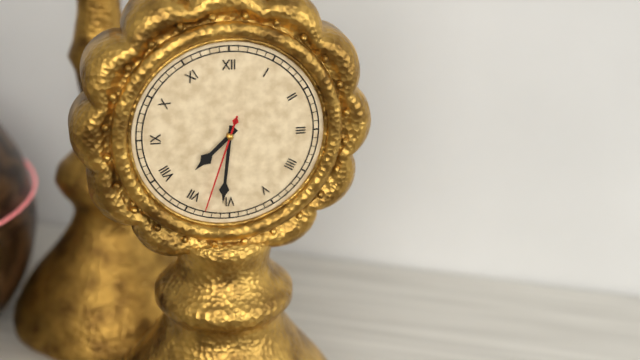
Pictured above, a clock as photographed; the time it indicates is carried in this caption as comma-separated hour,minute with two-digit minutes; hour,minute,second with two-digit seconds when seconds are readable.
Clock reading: 7,31,33
